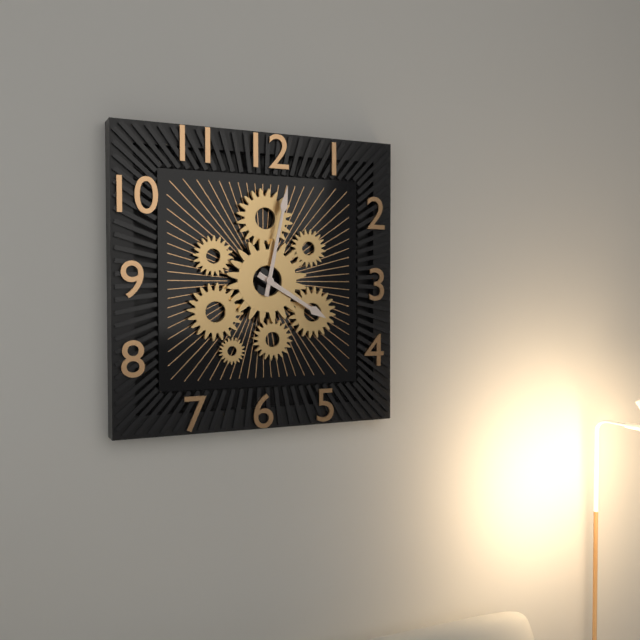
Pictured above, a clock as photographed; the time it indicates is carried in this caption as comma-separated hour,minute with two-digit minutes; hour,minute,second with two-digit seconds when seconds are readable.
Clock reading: 4,02
